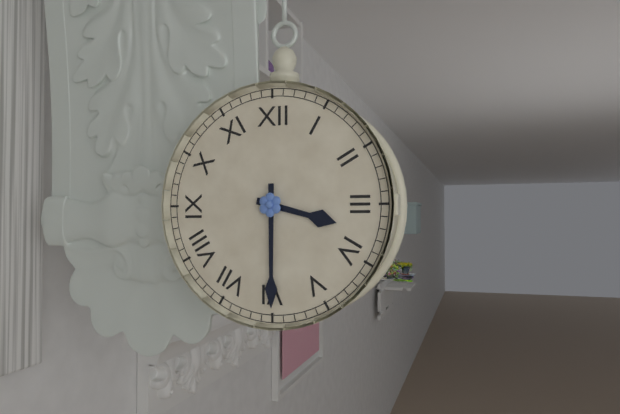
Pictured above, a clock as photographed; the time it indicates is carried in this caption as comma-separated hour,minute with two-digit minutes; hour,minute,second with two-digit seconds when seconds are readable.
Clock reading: 3,30
